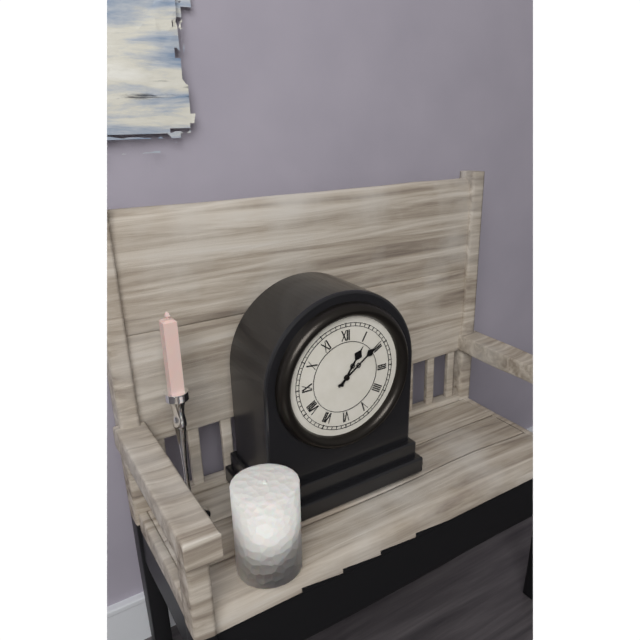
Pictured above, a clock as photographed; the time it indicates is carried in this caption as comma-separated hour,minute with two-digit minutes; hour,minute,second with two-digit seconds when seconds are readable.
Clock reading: 1,09
